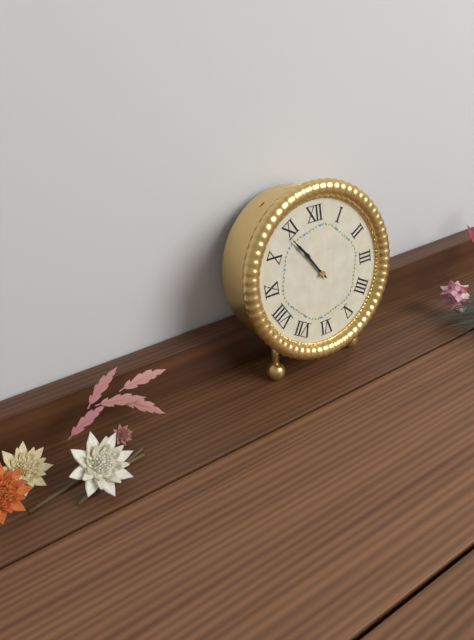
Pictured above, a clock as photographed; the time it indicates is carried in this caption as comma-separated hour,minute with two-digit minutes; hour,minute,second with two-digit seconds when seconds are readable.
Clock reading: 10,54
